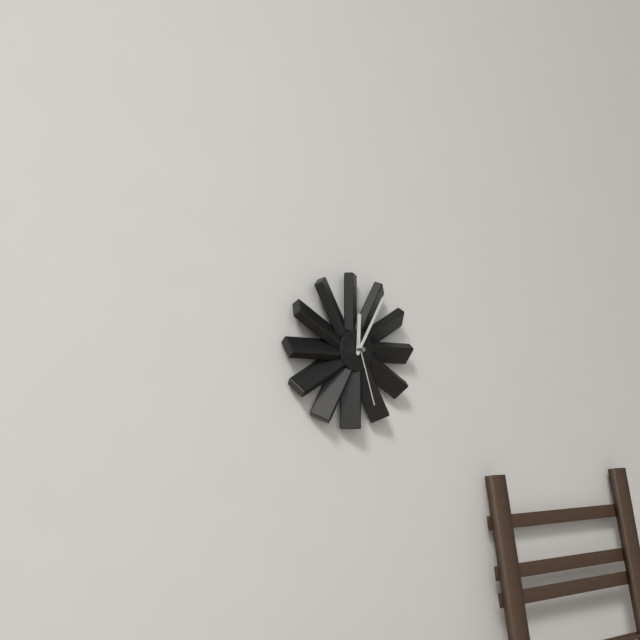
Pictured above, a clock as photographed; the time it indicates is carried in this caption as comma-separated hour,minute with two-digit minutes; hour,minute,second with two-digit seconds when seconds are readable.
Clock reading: 12,05,27
